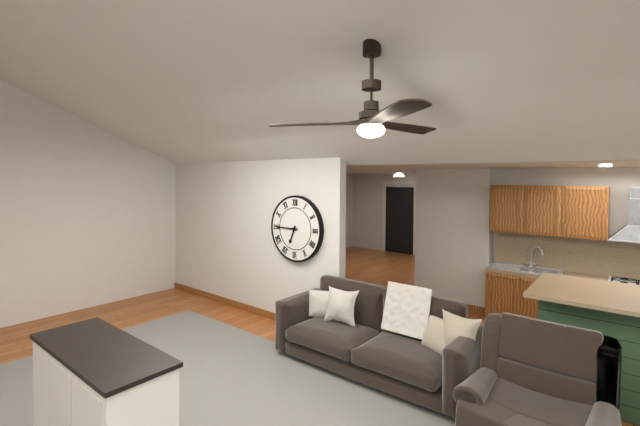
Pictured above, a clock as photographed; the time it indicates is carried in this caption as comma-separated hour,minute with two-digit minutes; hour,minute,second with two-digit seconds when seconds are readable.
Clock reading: 6,45
